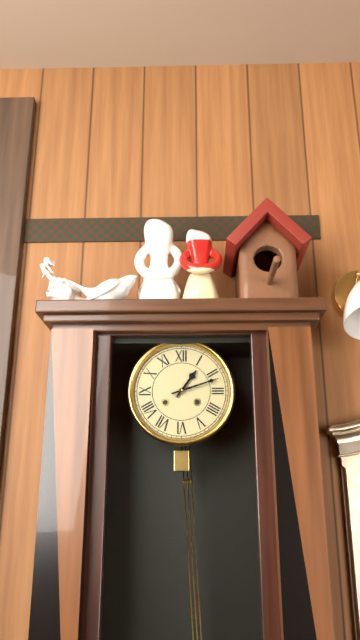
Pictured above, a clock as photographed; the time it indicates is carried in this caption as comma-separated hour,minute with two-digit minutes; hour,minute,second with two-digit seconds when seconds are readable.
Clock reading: 1,12
